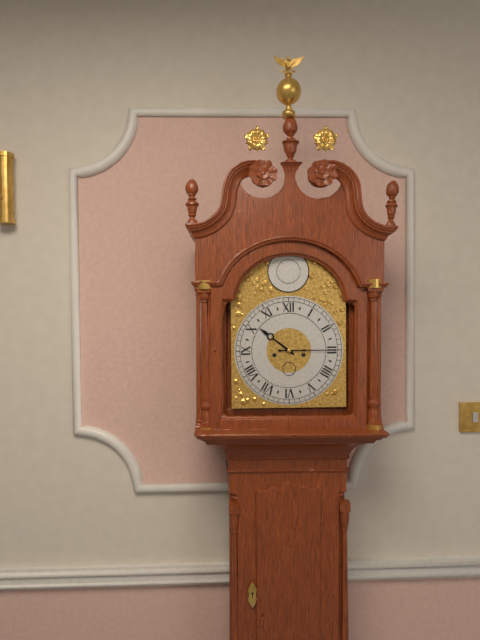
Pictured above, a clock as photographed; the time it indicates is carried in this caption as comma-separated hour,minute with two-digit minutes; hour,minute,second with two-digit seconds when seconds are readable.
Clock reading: 10,15
